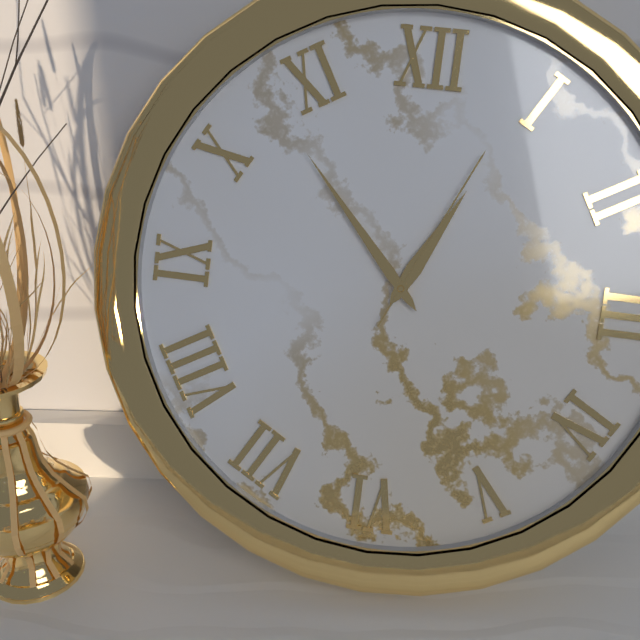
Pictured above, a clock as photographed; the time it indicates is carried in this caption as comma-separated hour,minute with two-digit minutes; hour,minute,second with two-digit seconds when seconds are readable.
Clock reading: 12,53,04
